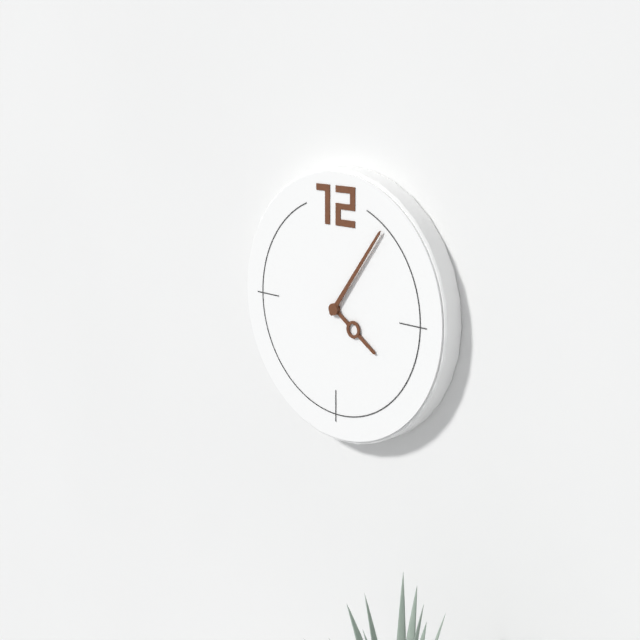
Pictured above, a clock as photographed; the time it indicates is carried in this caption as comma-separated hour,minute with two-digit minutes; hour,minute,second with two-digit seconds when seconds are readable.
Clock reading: 4,06
